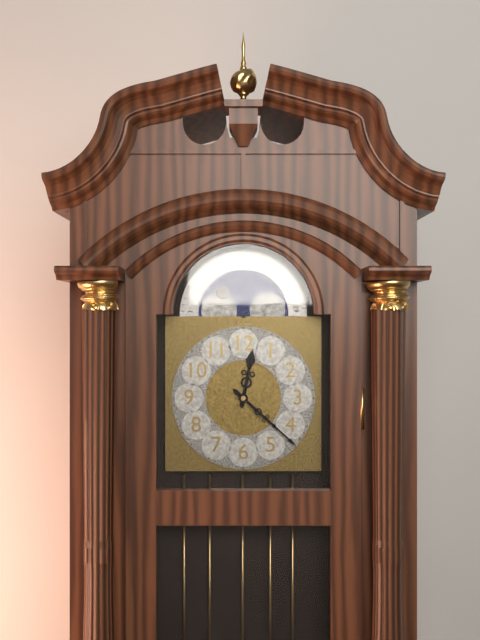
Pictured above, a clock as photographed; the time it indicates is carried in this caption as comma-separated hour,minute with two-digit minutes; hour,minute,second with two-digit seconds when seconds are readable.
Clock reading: 12,22
